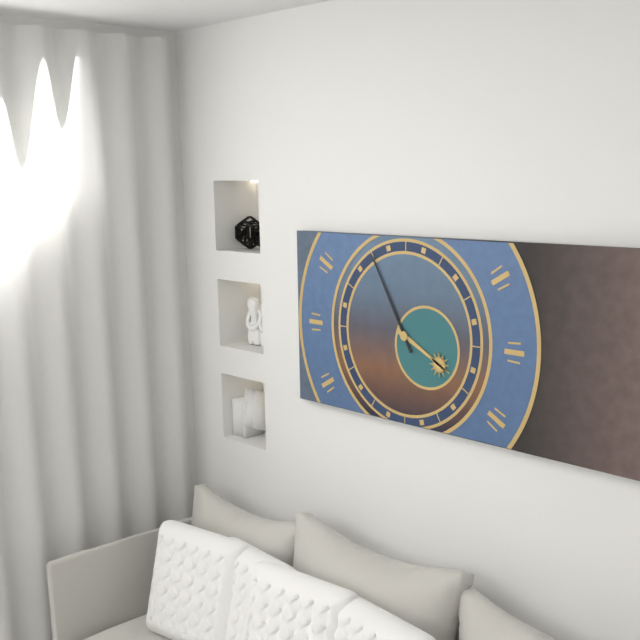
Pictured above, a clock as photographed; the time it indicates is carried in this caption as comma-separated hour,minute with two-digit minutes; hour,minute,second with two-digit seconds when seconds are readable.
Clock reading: 3,55
